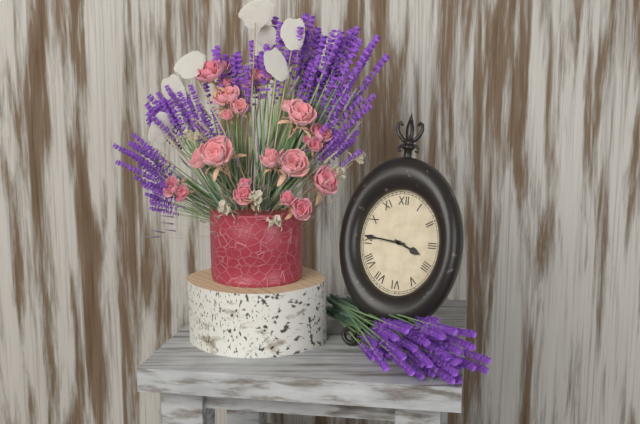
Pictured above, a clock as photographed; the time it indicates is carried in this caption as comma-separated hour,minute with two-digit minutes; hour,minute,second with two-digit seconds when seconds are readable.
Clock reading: 3,46
